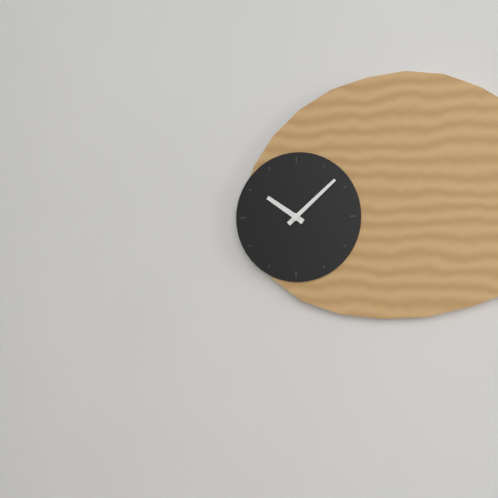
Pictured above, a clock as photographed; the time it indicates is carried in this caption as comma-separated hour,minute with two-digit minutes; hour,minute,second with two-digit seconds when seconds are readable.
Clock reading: 10,08
